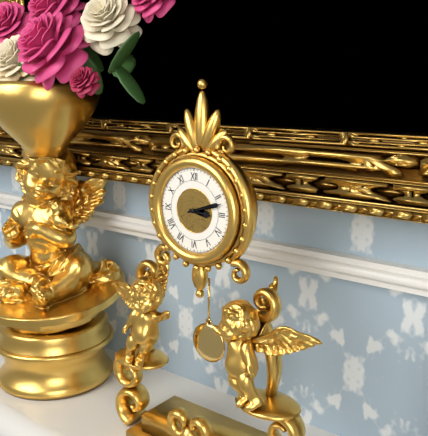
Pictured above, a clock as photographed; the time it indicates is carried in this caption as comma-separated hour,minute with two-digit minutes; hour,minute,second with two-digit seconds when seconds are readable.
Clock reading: 3,12
